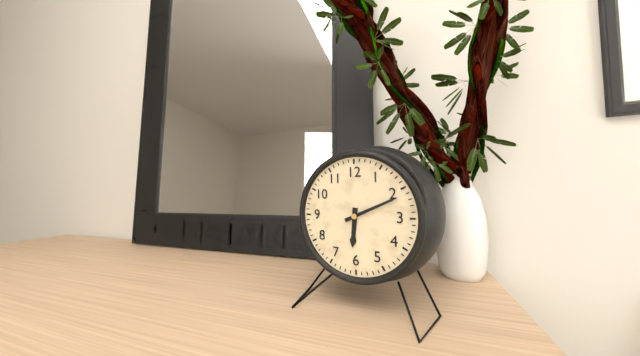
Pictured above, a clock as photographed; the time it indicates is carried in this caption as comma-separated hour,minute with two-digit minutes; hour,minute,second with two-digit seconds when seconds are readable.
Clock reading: 6,11
